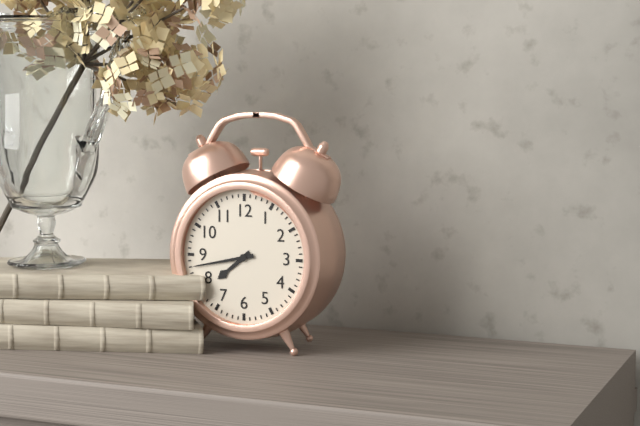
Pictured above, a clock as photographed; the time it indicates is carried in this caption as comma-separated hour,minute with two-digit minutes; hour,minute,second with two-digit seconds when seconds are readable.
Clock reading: 7,43
